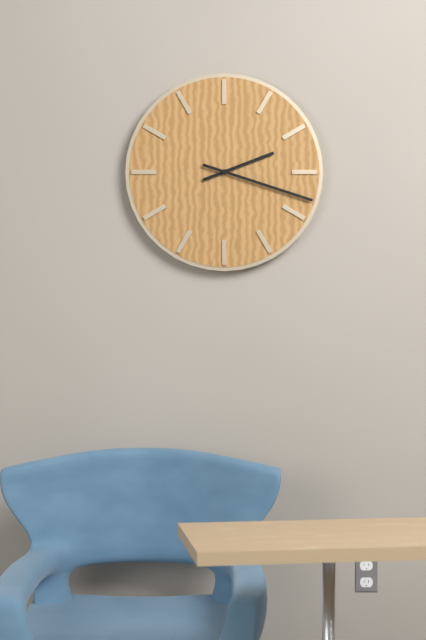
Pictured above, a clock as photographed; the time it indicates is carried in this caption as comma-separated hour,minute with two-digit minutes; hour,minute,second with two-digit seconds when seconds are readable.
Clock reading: 2,18
